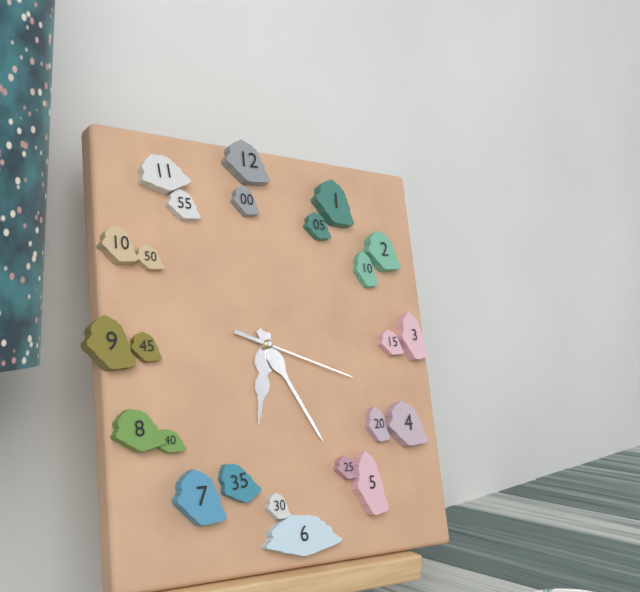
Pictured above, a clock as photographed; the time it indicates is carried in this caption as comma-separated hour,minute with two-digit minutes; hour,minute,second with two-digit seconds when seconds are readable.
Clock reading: 6,25,18
